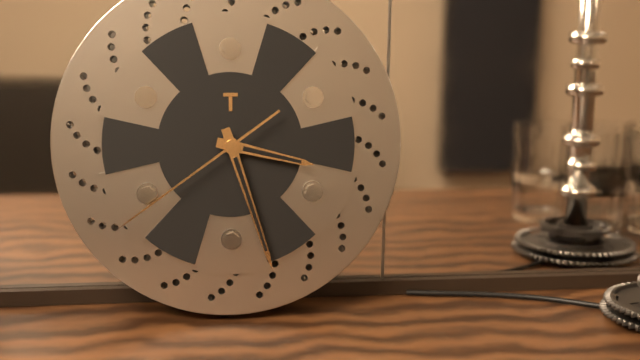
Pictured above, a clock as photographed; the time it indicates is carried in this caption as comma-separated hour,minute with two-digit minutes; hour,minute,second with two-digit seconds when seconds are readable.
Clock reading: 3,27,39
